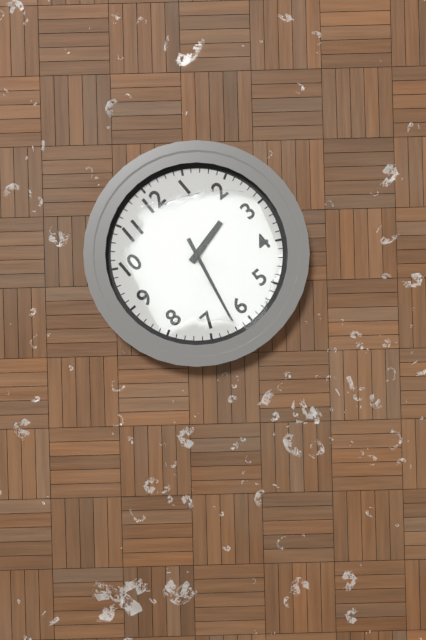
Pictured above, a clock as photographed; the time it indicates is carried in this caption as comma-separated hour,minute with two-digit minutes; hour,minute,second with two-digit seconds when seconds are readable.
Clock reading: 2,32
